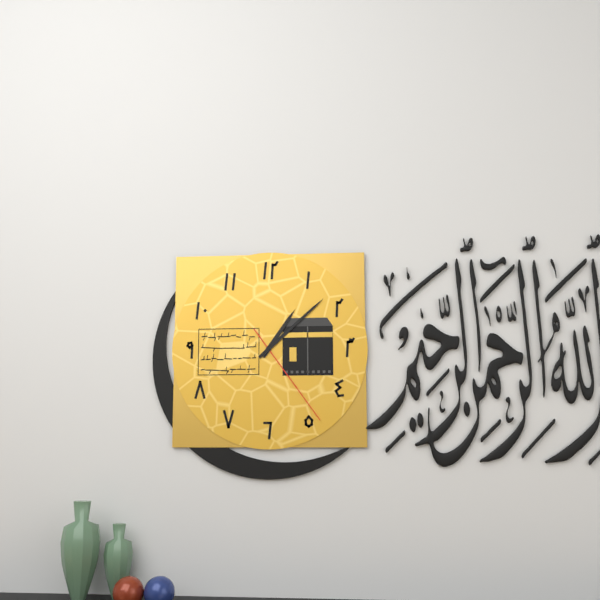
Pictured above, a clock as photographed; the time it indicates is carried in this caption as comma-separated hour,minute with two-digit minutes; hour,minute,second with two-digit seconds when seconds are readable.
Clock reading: 1,08,24
